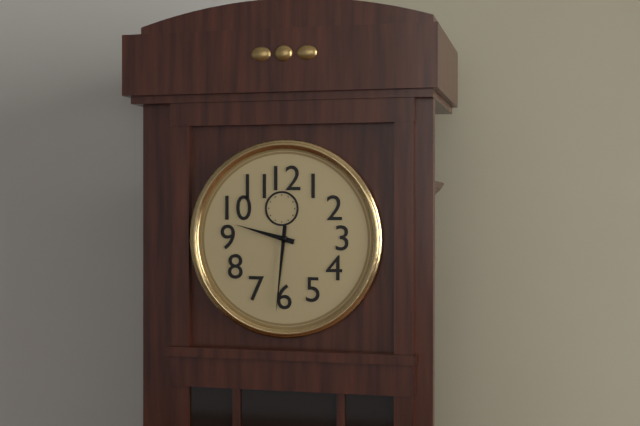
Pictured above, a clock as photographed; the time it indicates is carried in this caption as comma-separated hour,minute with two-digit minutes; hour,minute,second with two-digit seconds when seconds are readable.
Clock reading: 9,31
